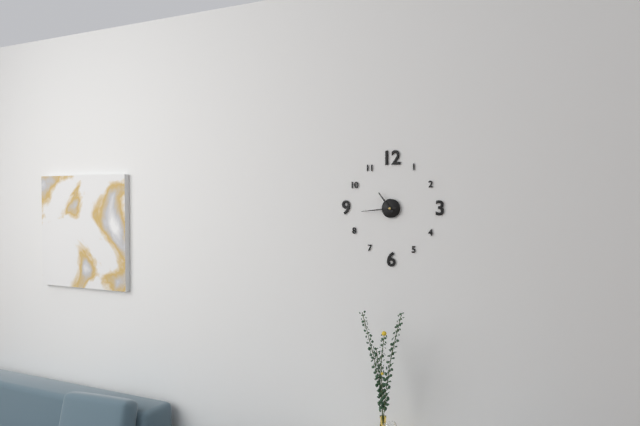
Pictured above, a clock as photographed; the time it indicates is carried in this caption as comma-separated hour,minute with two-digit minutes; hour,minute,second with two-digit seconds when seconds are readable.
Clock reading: 10,44
